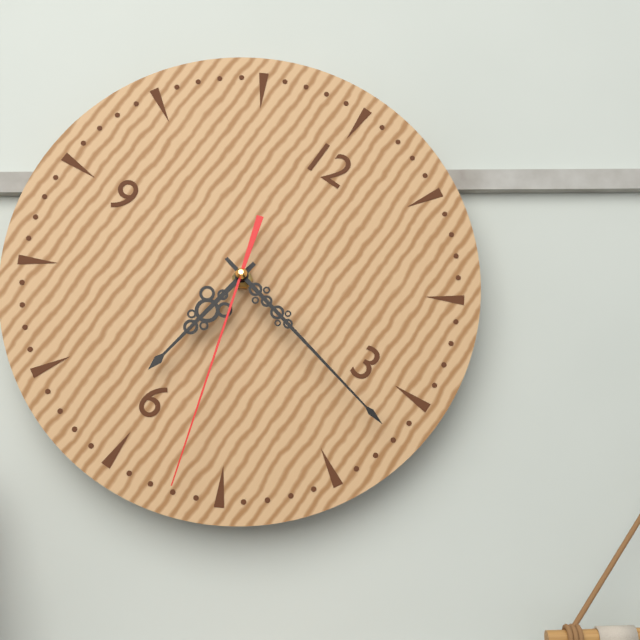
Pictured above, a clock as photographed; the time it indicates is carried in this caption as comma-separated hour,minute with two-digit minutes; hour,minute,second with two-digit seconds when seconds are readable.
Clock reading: 6,17,27
